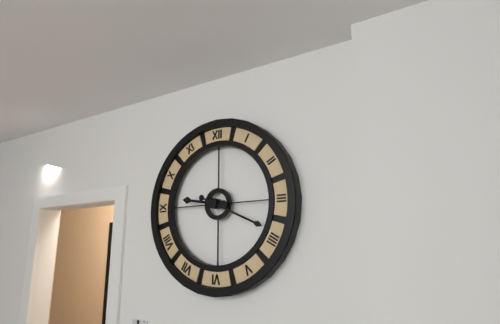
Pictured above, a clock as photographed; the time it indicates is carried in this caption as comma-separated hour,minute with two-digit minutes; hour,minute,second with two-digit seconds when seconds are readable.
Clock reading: 9,19
